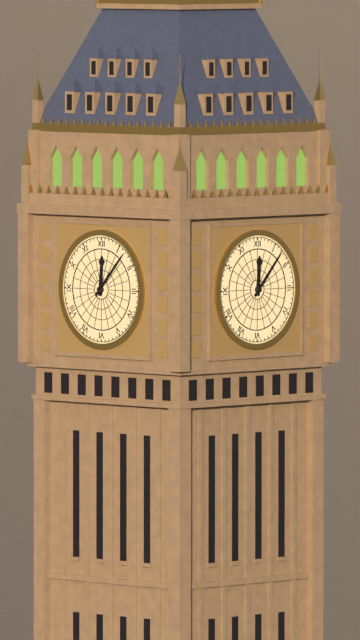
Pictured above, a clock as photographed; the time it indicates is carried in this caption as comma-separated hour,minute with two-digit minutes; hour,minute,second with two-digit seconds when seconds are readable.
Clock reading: 12,07
